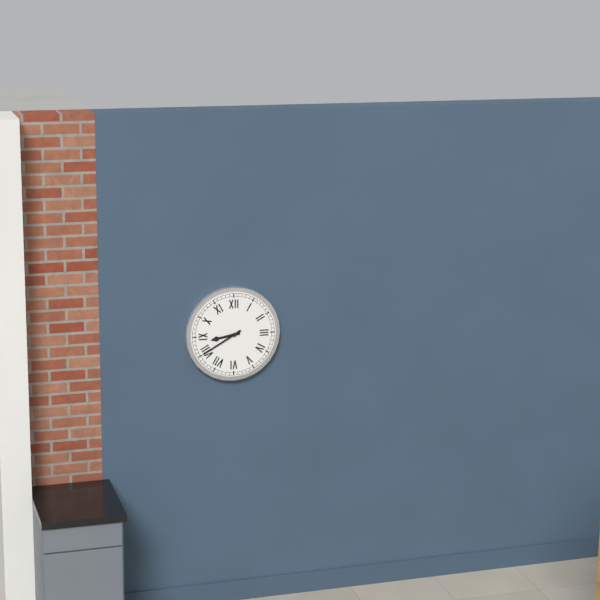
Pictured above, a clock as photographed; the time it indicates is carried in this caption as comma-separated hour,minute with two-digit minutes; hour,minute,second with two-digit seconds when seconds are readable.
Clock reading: 8,40
